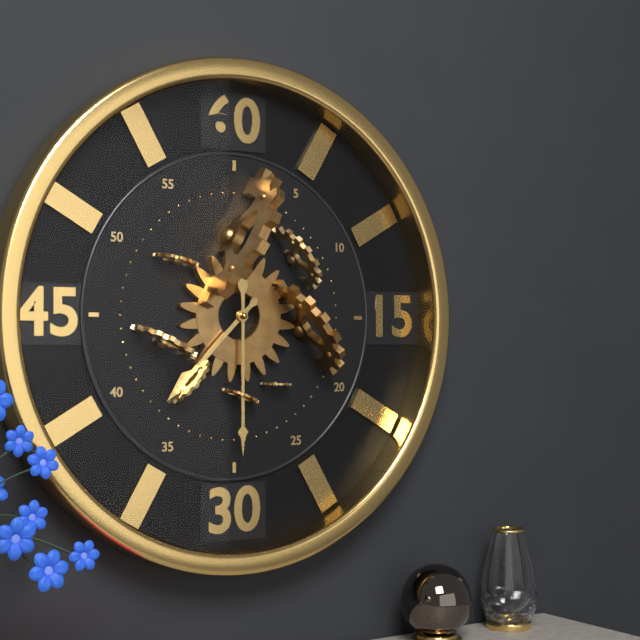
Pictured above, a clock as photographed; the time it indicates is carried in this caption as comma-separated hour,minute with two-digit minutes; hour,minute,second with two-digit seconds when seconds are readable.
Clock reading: 7,30
